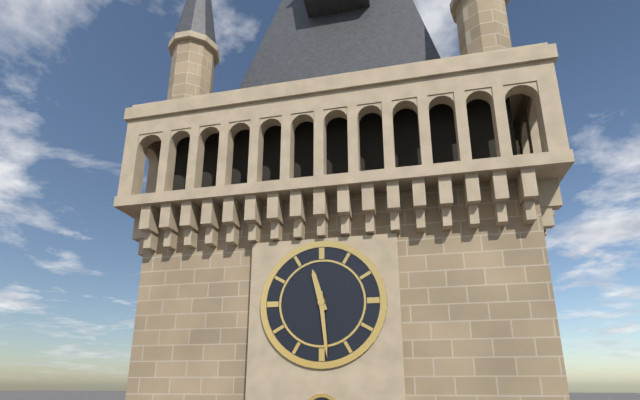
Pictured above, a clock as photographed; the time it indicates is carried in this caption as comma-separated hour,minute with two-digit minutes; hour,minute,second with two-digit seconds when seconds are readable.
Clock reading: 11,29
